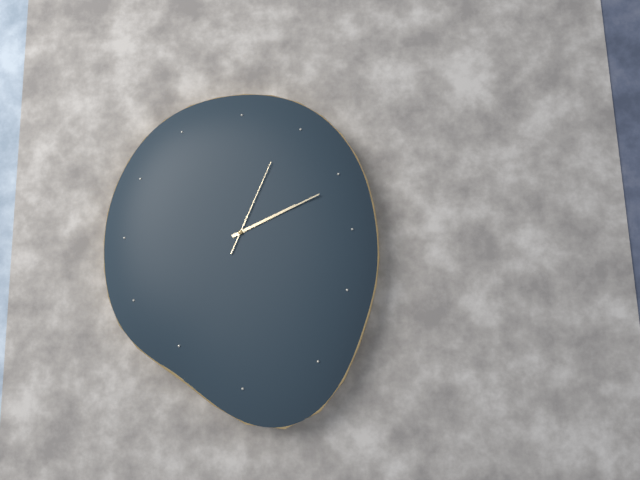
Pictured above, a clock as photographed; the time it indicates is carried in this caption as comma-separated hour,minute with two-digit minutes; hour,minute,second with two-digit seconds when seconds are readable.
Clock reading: 2,11,04
